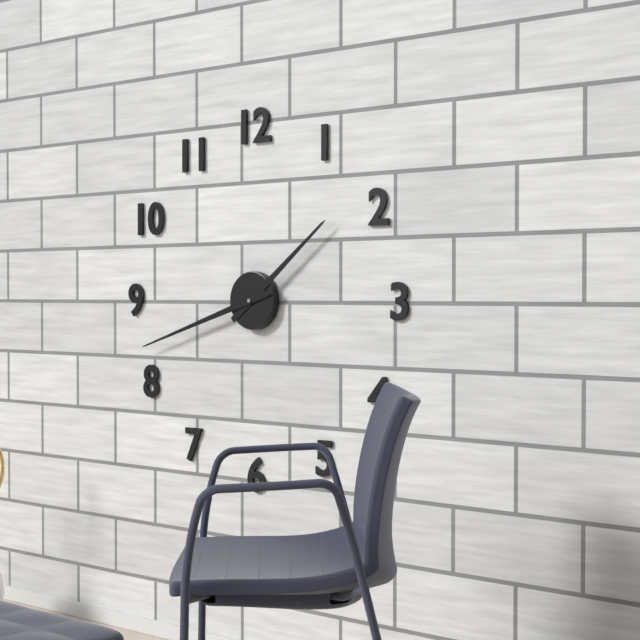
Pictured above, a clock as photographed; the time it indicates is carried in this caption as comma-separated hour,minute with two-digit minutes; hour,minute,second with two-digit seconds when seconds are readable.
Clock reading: 1,42
